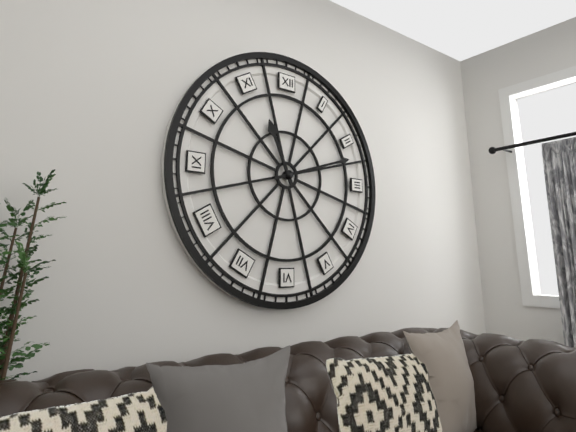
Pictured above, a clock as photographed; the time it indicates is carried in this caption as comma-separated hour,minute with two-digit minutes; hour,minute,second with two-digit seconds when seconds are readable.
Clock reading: 11,12
